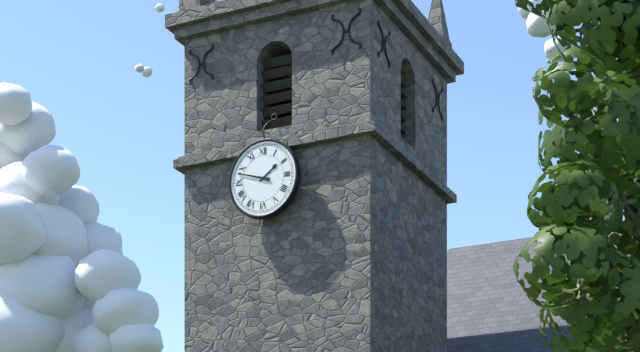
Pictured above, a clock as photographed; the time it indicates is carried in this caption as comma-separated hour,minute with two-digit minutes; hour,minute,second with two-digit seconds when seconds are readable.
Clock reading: 1,48
